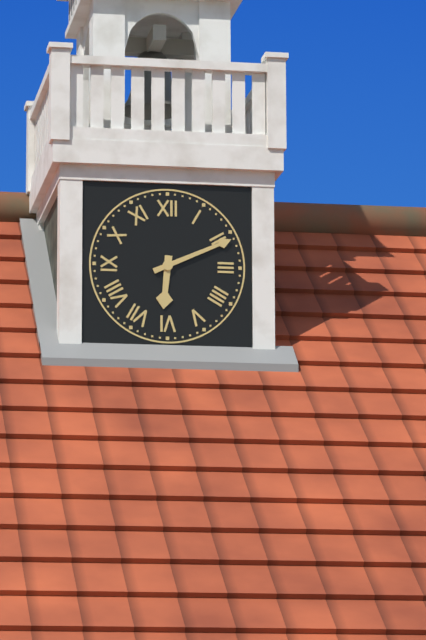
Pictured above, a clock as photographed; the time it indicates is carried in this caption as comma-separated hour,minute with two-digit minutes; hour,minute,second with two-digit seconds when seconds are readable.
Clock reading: 6,11
